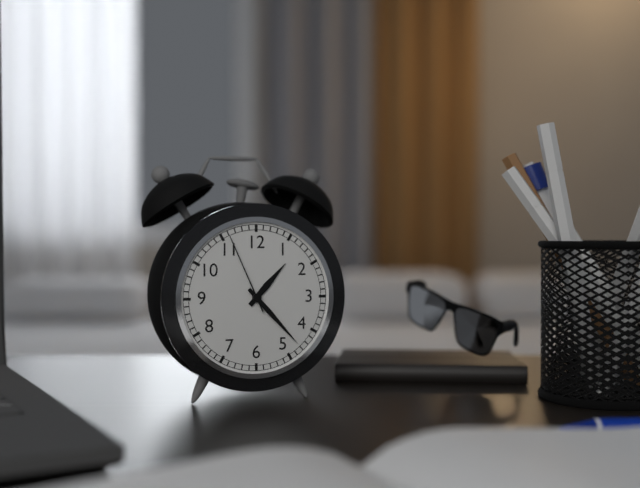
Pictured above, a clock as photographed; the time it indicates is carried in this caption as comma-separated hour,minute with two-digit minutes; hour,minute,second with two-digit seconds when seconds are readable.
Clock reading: 1,23,56
